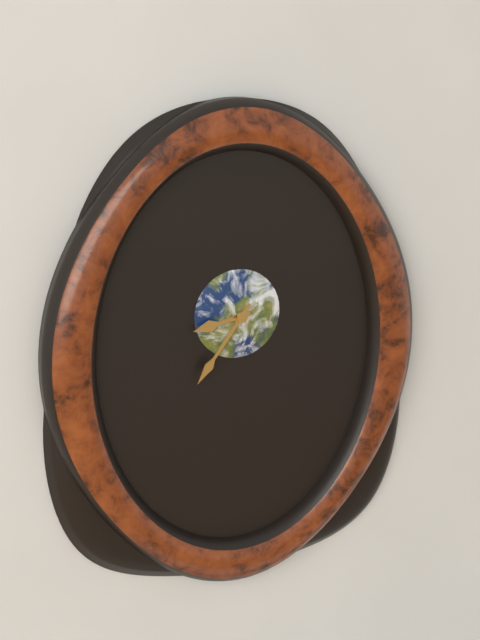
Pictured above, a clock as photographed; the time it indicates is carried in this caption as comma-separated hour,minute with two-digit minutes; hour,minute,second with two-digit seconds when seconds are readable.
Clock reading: 8,36
